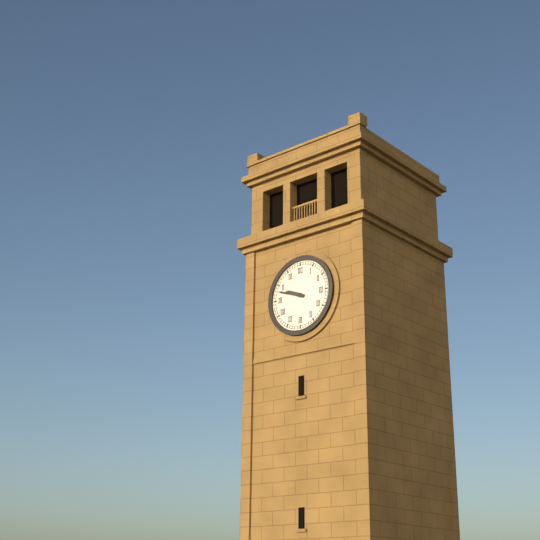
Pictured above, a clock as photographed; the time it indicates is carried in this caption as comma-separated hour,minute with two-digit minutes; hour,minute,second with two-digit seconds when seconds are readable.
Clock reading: 9,48
